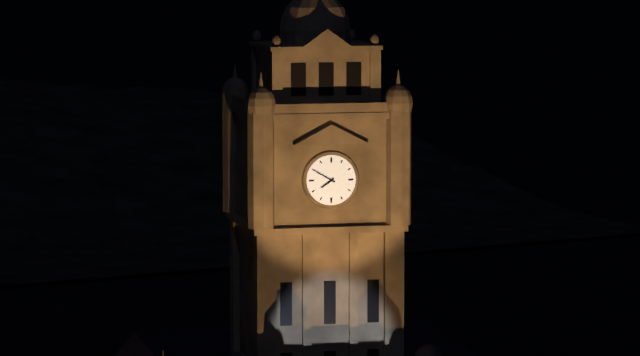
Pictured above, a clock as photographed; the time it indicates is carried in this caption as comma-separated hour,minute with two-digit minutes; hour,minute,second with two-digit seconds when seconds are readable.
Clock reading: 7,50
